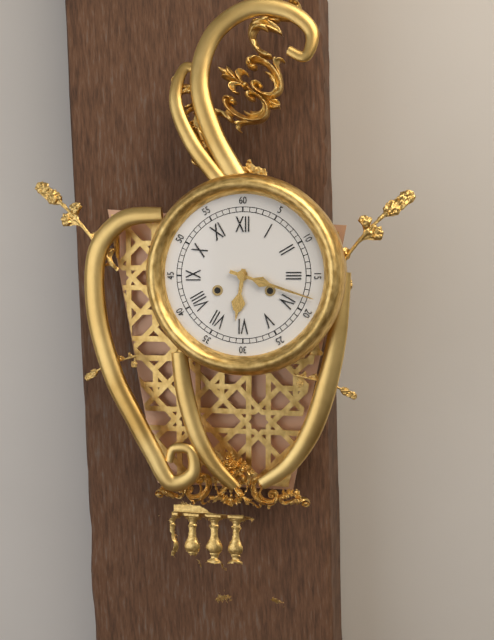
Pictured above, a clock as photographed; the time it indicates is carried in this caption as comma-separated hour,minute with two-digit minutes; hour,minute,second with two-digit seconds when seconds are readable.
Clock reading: 6,18
